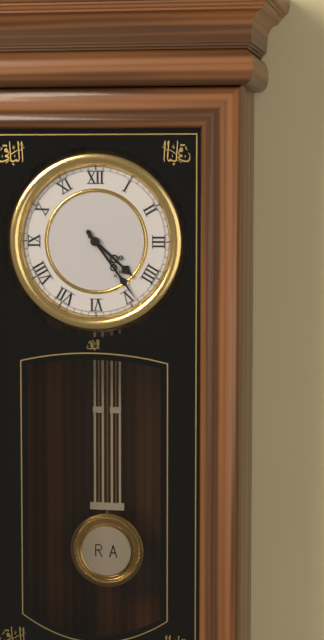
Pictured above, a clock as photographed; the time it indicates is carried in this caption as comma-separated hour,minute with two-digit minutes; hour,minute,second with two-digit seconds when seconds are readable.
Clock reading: 4,24
